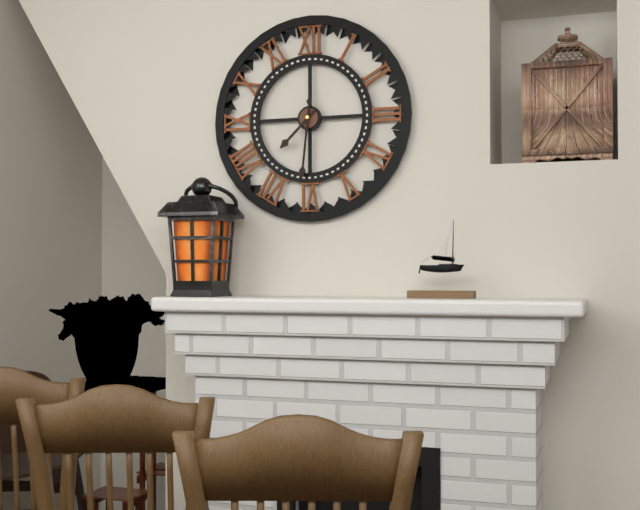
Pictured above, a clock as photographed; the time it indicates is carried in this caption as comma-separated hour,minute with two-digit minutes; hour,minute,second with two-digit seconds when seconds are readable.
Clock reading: 7,31
